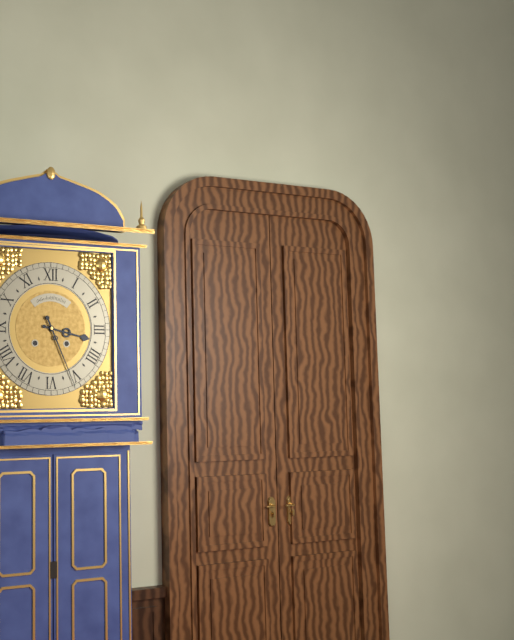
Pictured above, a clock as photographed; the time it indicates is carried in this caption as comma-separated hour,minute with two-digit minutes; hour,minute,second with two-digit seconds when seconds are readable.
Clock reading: 3,26
